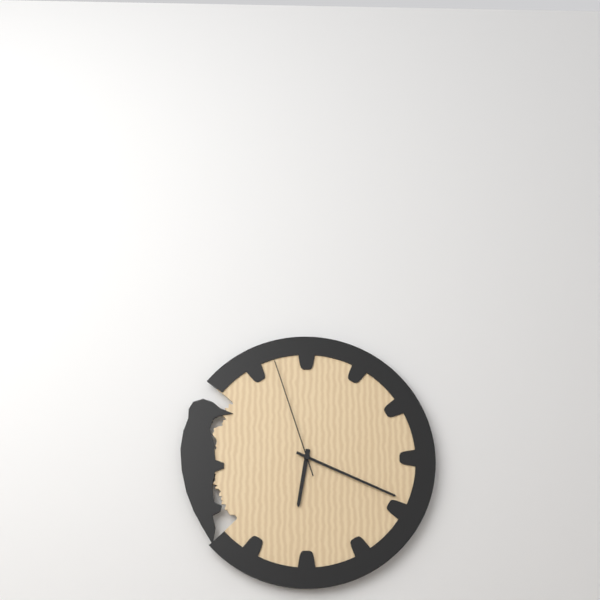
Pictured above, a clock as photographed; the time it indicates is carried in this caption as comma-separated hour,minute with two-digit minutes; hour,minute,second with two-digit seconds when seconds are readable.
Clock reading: 6,19,57
